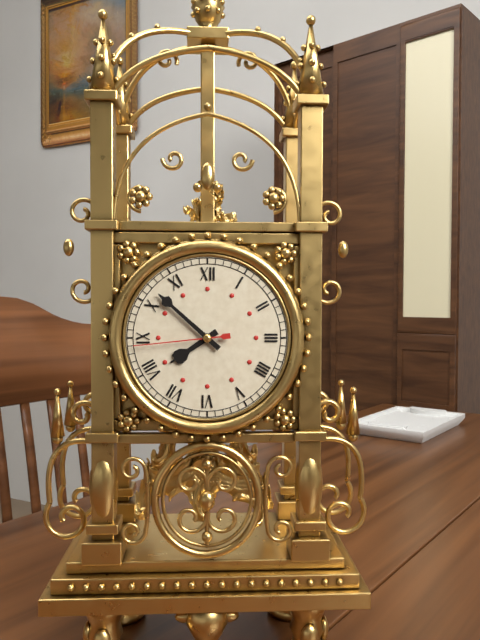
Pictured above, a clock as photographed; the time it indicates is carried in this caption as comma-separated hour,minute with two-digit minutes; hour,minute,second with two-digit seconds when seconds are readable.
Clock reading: 7,52,44
